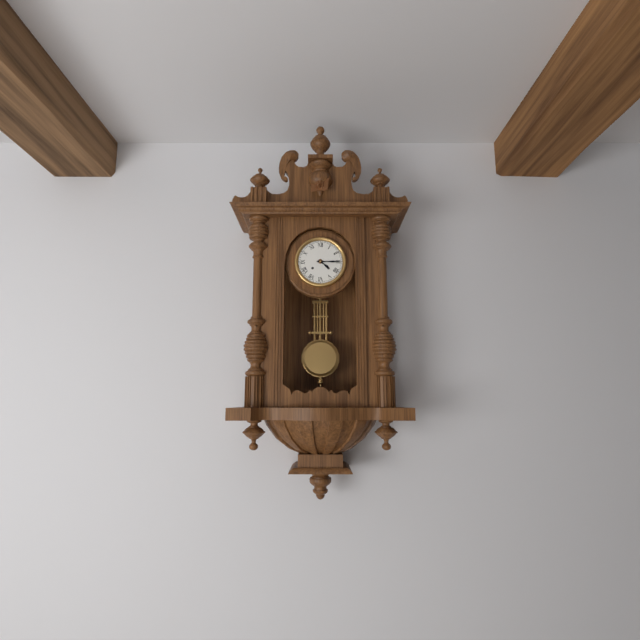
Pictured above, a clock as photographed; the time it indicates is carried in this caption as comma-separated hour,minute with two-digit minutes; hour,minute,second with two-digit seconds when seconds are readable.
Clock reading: 4,15
